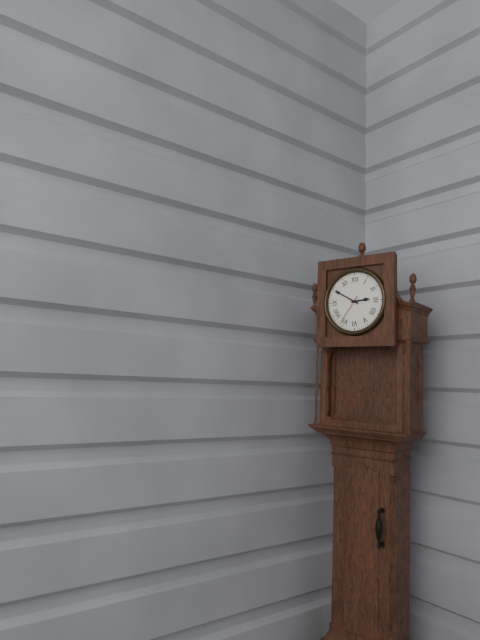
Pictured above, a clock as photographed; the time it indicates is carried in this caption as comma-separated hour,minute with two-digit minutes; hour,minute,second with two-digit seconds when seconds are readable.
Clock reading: 2,50
